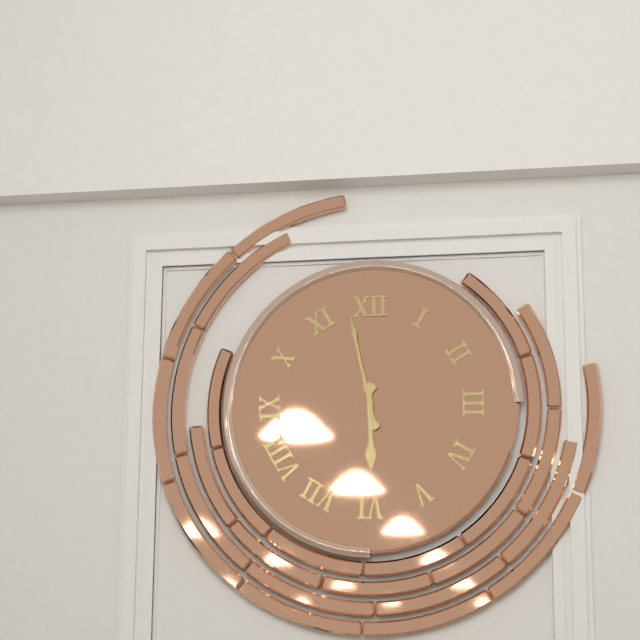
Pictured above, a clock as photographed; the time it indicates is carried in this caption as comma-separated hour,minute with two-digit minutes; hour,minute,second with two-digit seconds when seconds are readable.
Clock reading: 5,58
